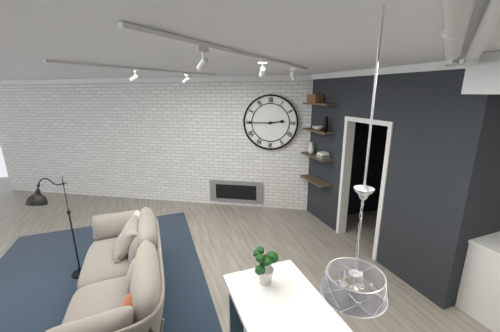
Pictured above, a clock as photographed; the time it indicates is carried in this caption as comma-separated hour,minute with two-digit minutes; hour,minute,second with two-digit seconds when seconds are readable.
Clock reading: 2,45
